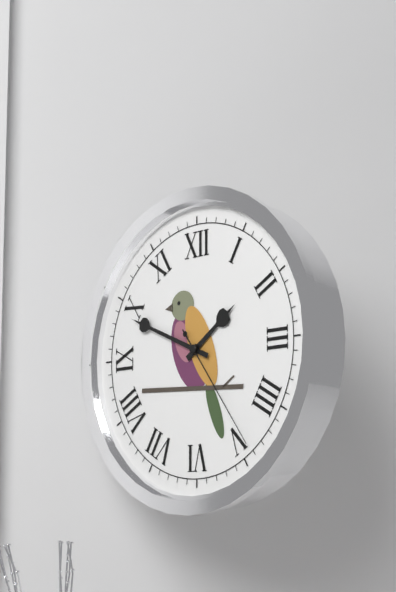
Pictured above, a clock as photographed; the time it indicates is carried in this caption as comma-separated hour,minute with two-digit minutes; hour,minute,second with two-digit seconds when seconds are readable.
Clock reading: 1,49,24
